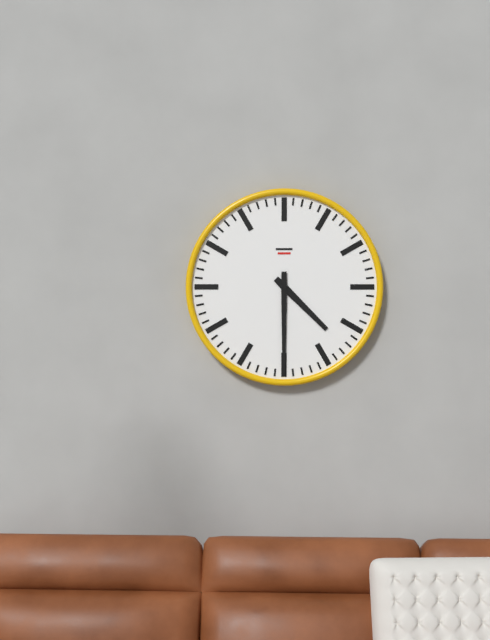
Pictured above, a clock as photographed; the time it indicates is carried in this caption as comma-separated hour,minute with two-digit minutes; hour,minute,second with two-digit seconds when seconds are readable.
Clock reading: 4,30
